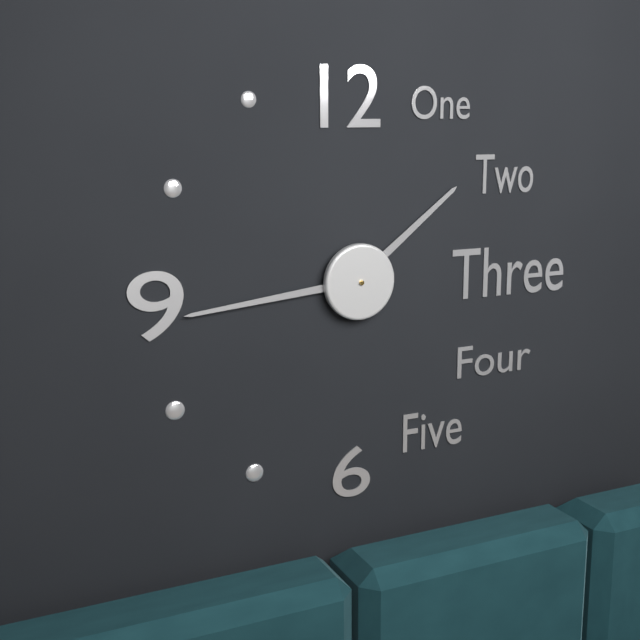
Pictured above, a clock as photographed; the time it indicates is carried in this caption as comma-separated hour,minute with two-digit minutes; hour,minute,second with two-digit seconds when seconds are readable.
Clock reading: 1,44
